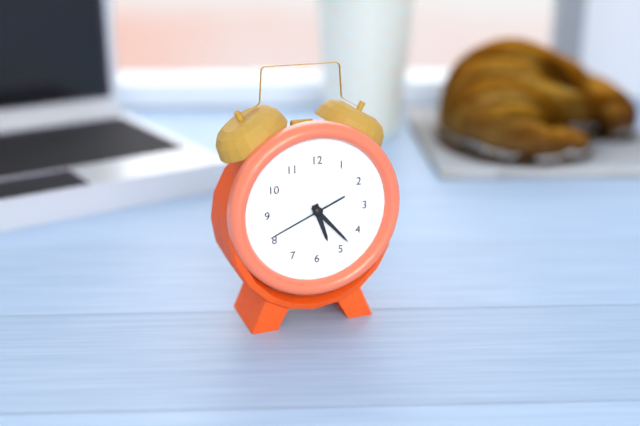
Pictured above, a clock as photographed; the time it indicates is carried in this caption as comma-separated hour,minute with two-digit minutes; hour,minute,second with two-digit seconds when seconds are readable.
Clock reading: 5,23,41
